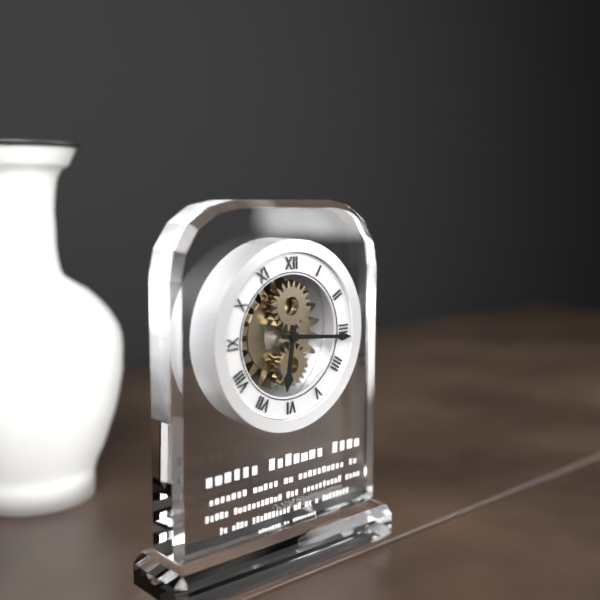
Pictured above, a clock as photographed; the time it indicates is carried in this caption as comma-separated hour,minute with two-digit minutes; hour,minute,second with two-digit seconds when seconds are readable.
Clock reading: 6,16
